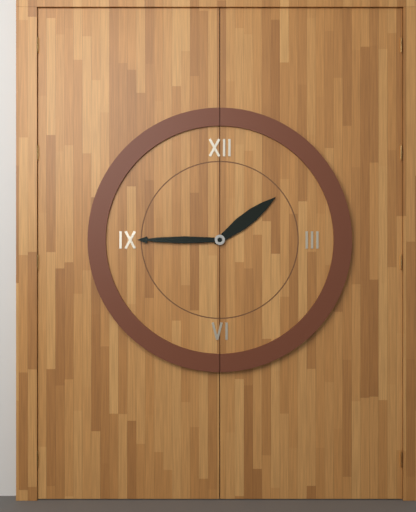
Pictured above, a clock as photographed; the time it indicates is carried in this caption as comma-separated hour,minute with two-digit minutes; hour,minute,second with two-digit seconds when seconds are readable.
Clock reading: 1,45
